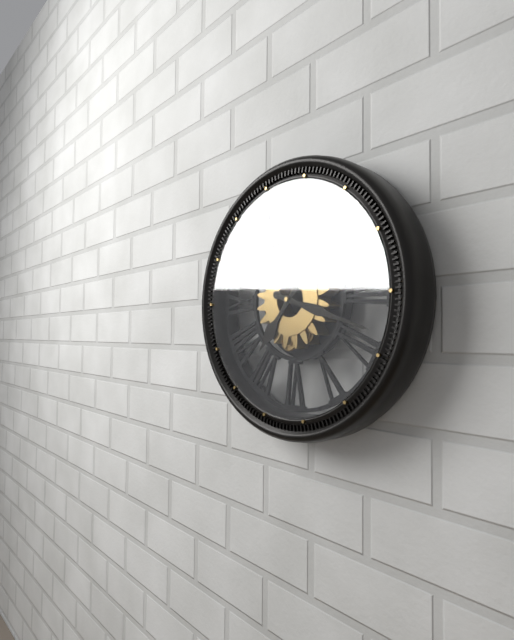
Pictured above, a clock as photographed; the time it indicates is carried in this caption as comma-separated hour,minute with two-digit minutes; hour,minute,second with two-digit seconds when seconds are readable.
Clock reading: 7,18
